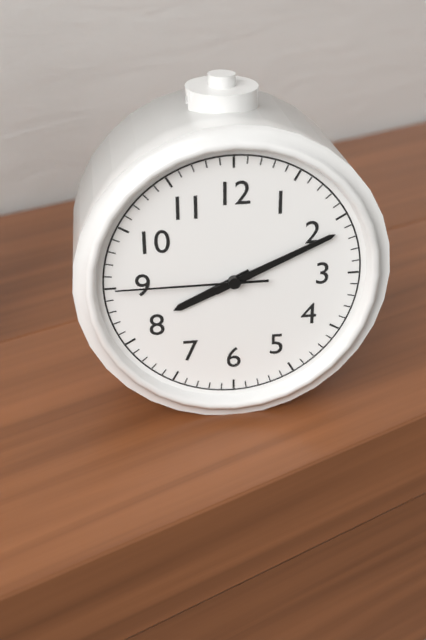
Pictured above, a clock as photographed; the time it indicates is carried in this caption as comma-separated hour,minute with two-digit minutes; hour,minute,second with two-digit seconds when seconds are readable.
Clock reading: 8,11,45
